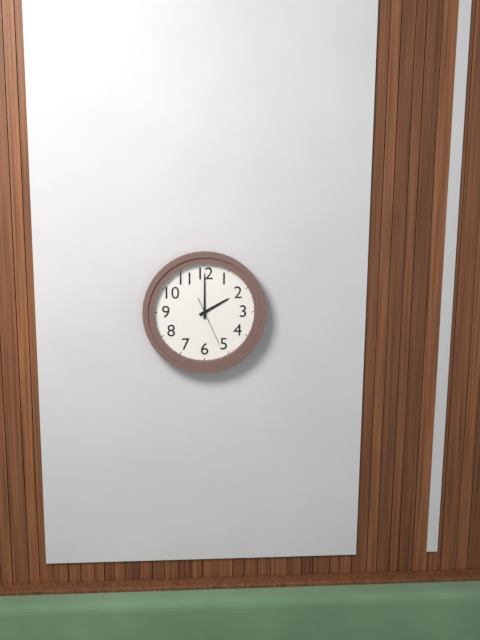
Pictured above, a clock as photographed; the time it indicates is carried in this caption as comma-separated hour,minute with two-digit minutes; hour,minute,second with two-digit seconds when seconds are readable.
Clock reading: 2,00
